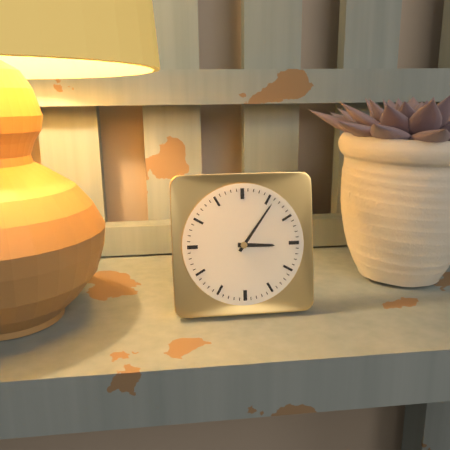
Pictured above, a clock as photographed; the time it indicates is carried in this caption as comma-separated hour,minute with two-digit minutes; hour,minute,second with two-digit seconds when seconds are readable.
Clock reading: 3,06
